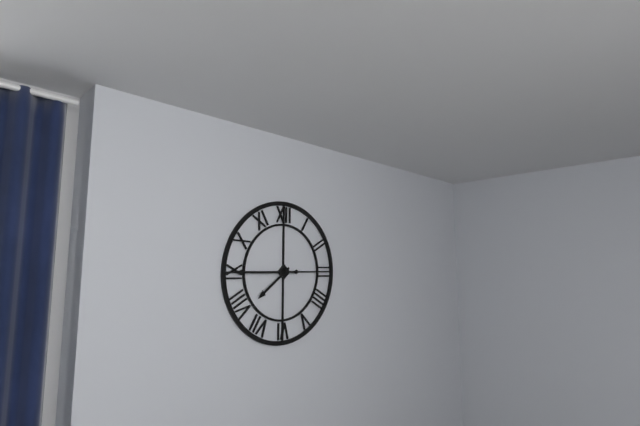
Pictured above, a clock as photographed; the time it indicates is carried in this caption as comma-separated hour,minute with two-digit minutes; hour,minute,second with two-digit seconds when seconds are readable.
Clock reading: 7,45
